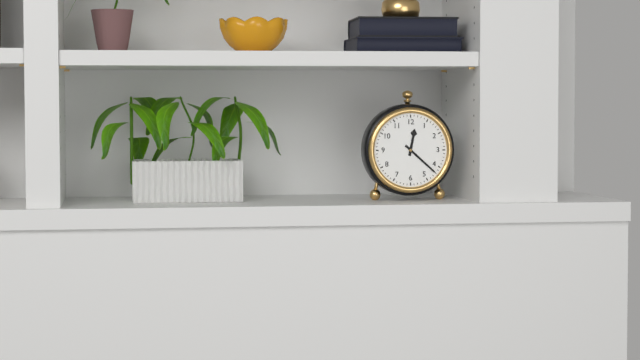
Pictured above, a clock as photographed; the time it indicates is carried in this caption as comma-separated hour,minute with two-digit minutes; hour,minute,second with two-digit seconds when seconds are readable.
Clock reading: 12,22
